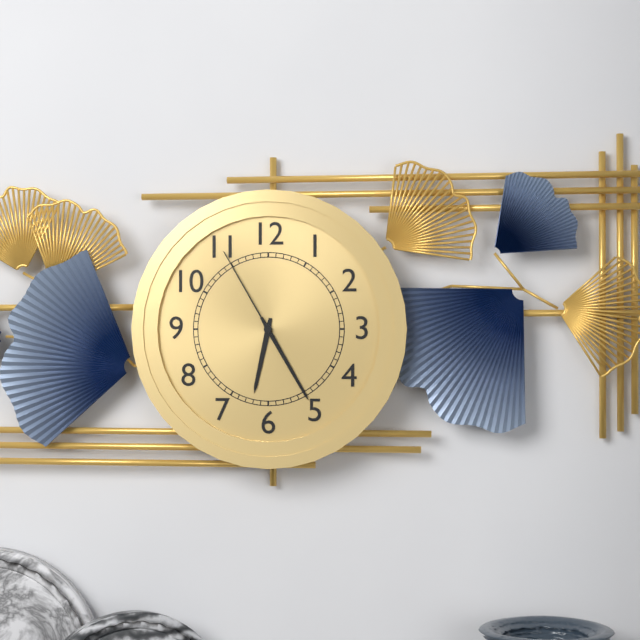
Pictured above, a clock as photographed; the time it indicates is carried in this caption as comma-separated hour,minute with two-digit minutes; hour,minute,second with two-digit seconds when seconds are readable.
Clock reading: 6,25,55
